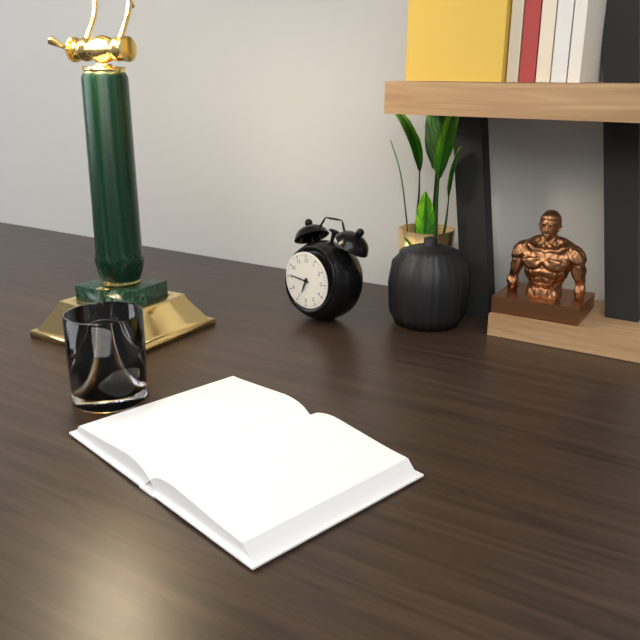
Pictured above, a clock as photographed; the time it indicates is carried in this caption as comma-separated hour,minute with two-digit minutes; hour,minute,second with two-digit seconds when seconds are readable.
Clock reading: 6,46
